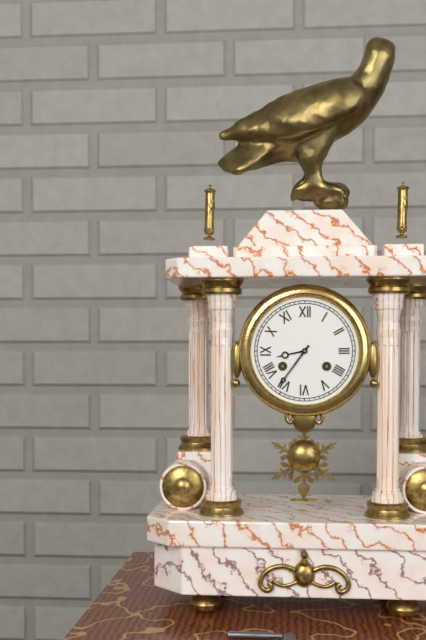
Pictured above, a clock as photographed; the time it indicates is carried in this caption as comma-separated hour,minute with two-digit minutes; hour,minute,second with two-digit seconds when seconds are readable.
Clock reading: 8,36
